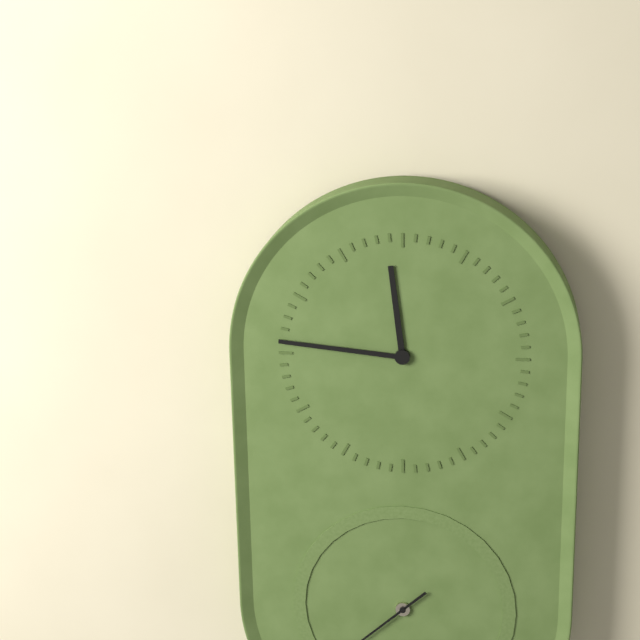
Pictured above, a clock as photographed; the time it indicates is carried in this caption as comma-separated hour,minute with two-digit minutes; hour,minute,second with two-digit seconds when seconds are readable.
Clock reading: 11,46
